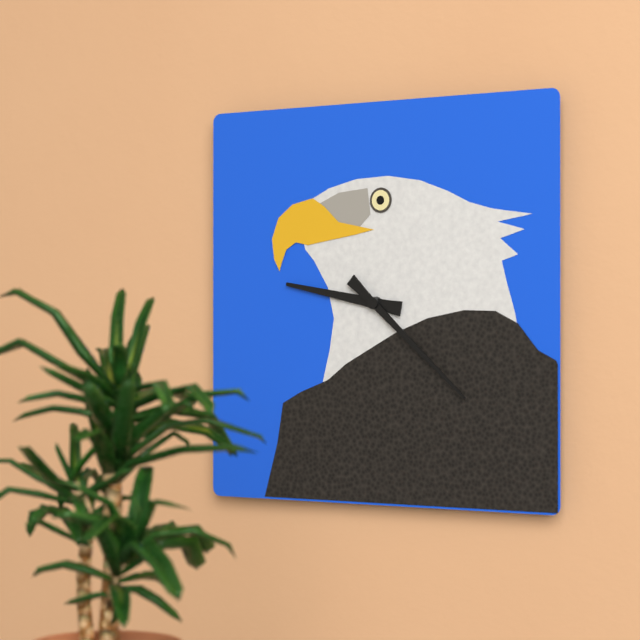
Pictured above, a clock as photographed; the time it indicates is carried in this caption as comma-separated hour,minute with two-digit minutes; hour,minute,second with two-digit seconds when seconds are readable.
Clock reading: 9,22
